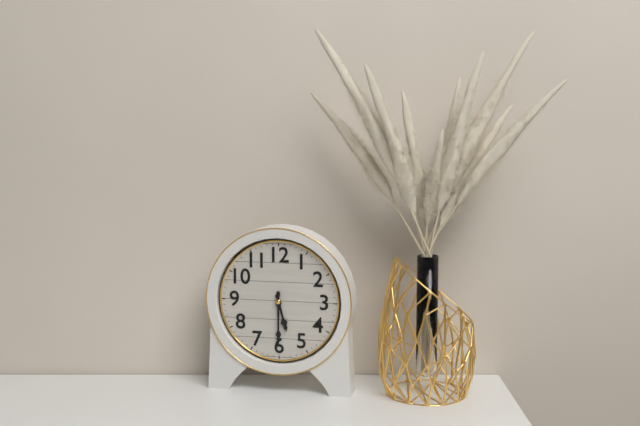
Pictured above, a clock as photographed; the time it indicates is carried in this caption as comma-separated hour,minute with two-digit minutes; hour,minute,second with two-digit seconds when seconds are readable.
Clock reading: 5,30
